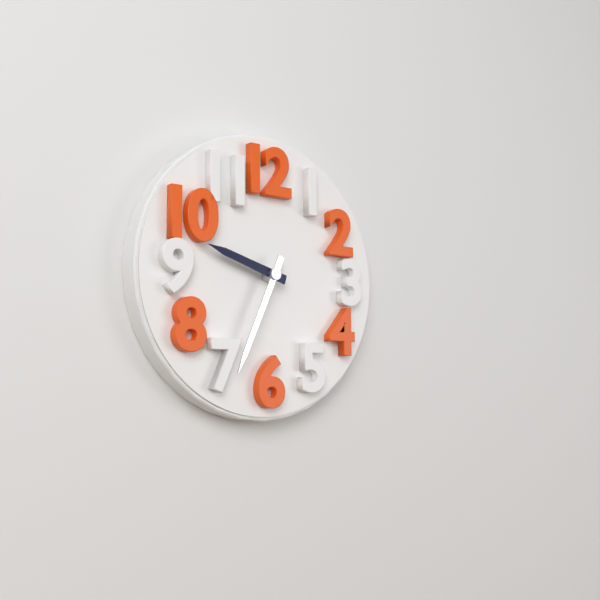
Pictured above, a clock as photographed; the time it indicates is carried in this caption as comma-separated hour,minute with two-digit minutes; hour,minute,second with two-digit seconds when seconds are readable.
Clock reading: 9,34
